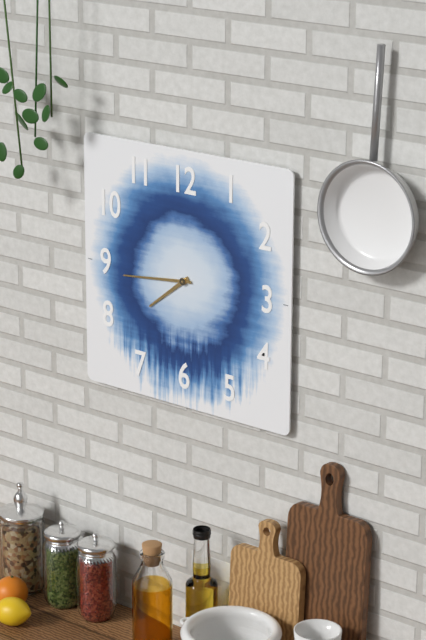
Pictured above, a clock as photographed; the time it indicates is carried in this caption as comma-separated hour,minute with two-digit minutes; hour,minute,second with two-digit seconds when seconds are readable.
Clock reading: 7,44
